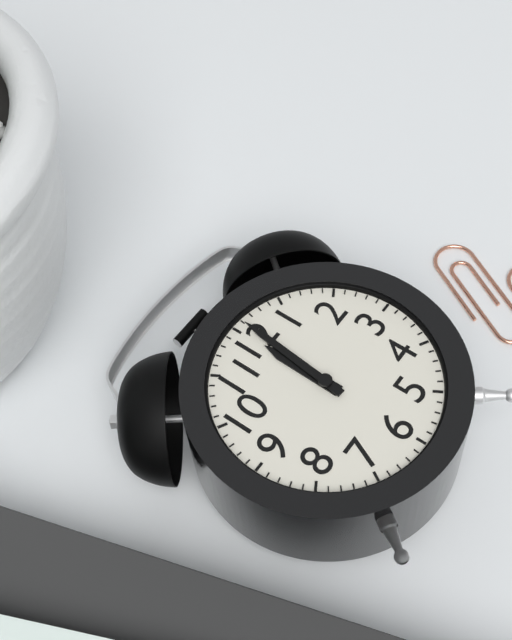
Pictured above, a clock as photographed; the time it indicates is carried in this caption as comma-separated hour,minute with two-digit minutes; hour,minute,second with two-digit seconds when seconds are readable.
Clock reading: 12,01
